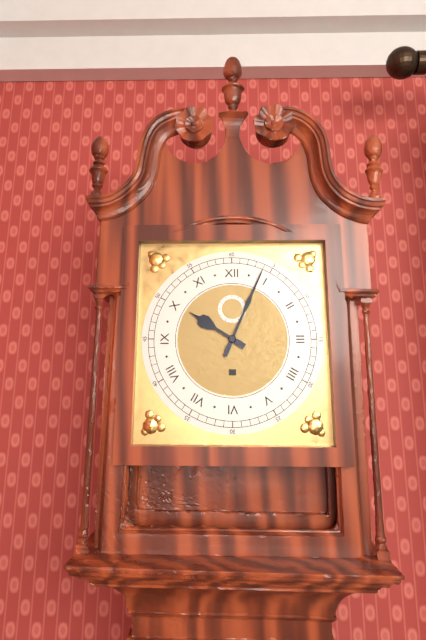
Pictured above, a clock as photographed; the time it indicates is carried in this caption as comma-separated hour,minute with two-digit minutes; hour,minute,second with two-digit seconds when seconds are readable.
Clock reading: 10,04
